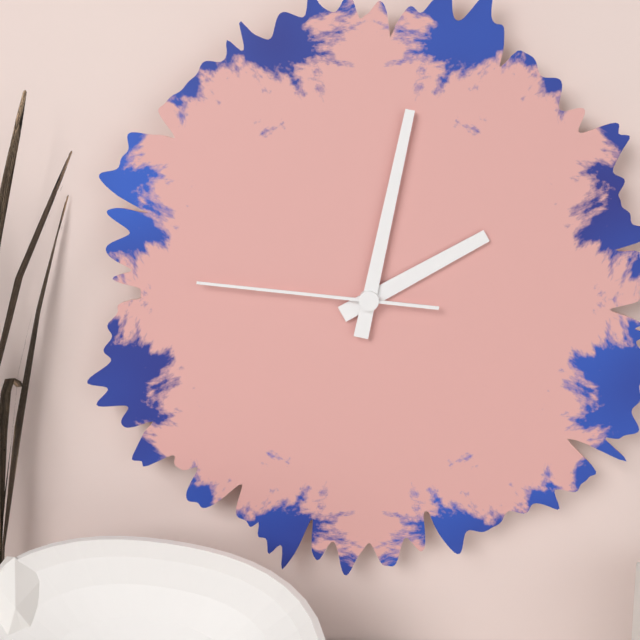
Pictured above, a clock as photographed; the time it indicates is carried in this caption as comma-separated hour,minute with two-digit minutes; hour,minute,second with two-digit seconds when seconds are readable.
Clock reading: 2,02,46
